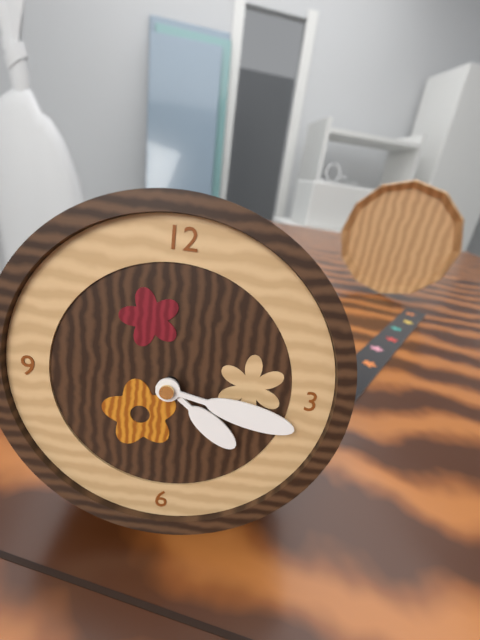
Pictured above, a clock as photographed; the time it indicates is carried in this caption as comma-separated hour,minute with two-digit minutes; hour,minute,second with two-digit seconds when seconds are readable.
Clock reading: 4,17
